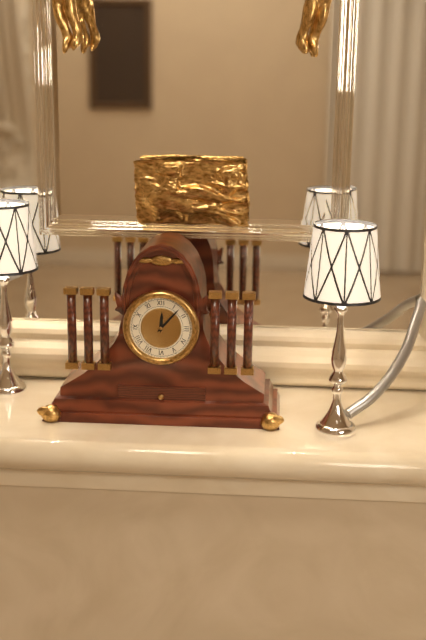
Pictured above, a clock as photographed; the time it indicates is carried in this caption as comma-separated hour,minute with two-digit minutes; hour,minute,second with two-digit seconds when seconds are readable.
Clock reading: 12,07
